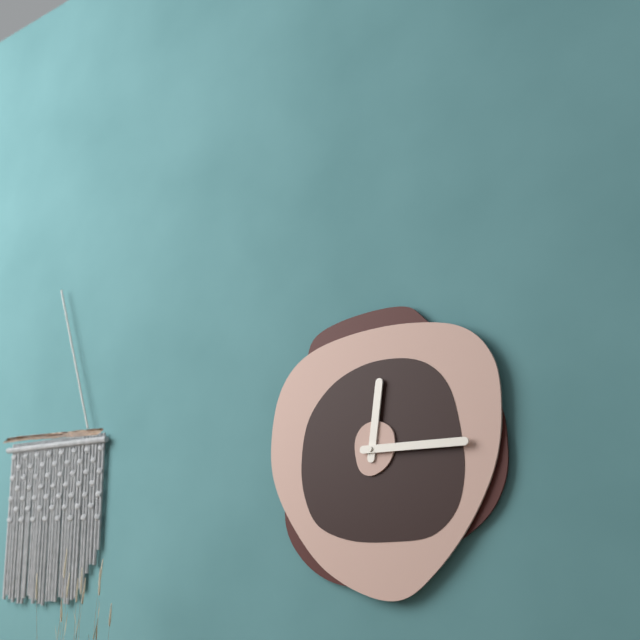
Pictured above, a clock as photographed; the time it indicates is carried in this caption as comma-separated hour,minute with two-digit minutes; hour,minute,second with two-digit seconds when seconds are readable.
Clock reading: 12,15
